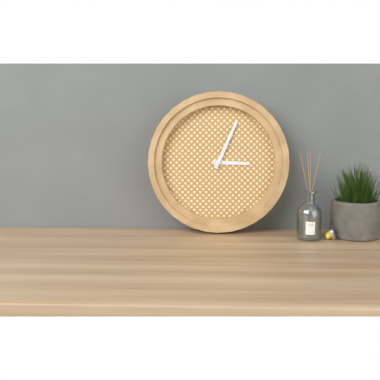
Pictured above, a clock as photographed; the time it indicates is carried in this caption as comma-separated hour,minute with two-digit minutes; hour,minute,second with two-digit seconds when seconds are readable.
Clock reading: 3,04
